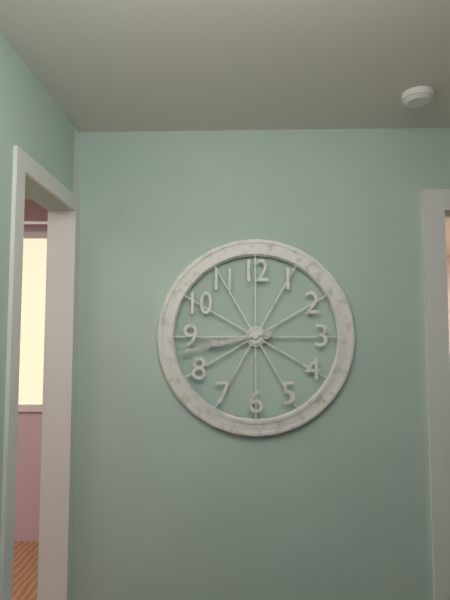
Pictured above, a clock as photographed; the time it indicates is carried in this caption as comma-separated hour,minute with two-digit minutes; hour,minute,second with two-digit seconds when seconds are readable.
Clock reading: 8,43
